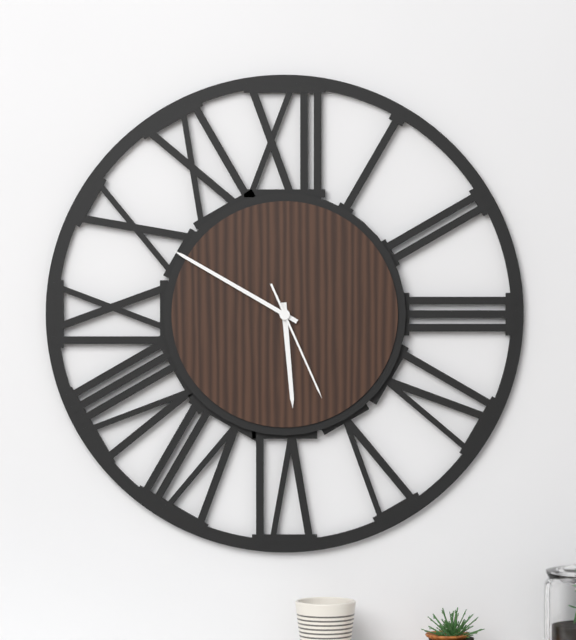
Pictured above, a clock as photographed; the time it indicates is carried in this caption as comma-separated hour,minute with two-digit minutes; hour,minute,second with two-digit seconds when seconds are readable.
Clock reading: 5,50,26
